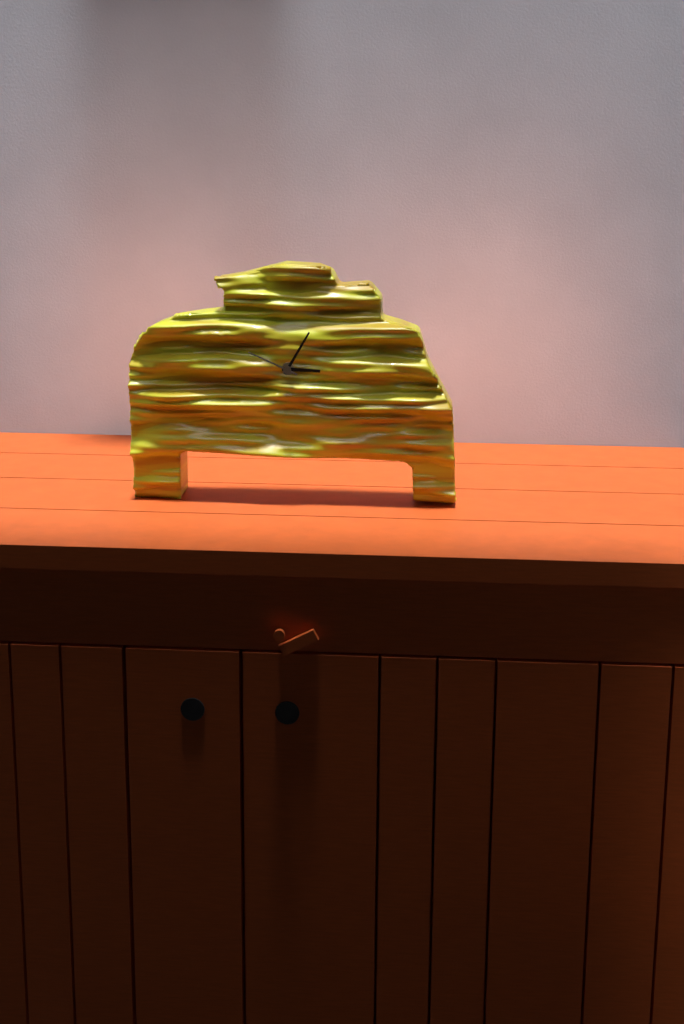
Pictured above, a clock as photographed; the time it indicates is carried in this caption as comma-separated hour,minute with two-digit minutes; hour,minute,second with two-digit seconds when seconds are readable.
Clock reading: 3,05,49
